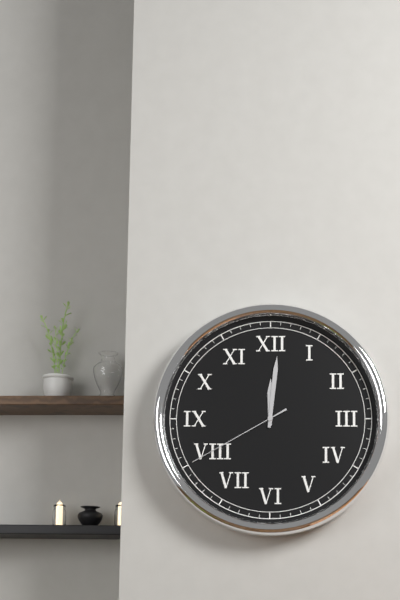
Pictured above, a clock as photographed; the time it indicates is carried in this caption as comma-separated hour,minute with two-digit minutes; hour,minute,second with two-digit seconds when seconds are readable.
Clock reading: 12,01,40
